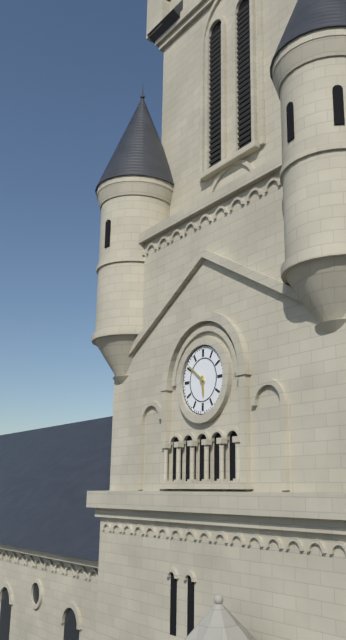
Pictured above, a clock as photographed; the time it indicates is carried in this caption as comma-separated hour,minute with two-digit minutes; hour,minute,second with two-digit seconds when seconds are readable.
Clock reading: 5,51
